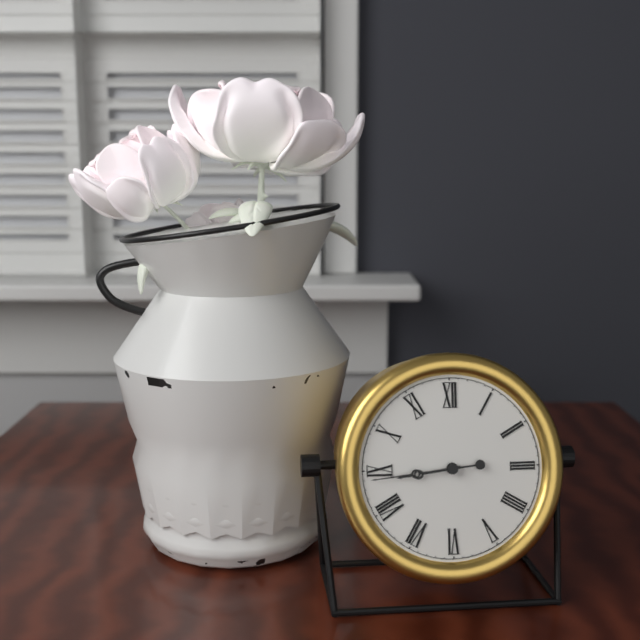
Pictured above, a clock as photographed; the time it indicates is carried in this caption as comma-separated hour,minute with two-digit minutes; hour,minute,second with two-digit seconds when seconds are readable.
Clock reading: 8,44
